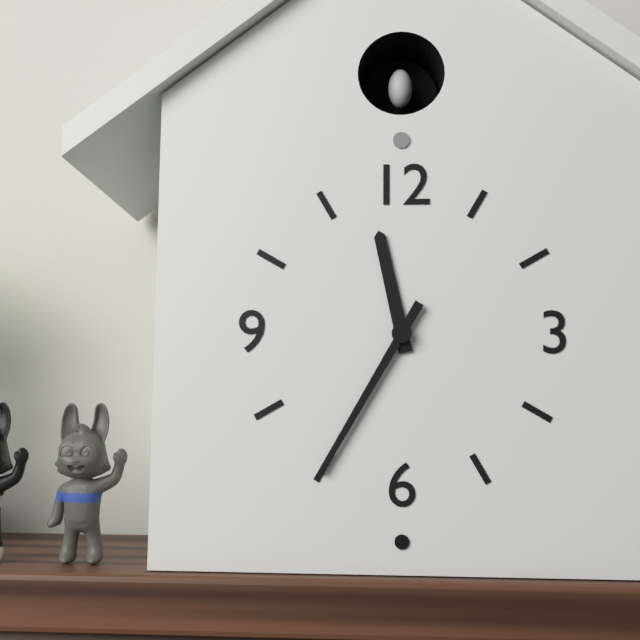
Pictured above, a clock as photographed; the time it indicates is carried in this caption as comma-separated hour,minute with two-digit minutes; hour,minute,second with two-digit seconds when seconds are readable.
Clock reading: 11,35
